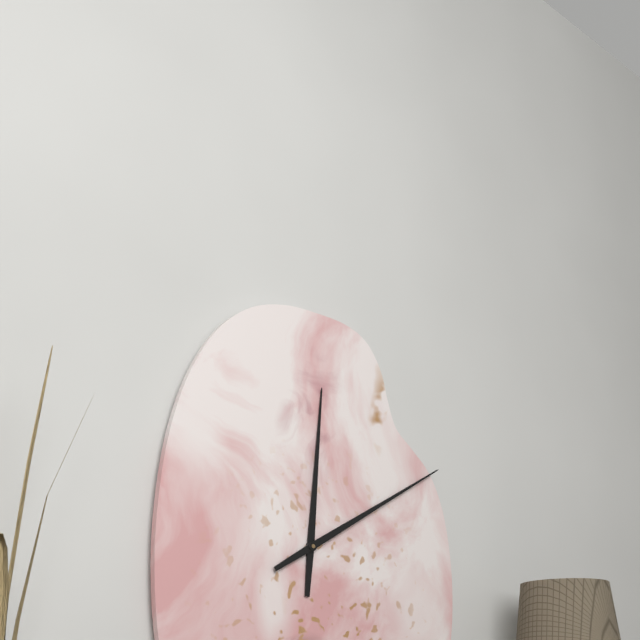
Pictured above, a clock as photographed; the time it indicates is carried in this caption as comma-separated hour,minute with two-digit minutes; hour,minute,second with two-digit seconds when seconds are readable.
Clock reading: 12,10
